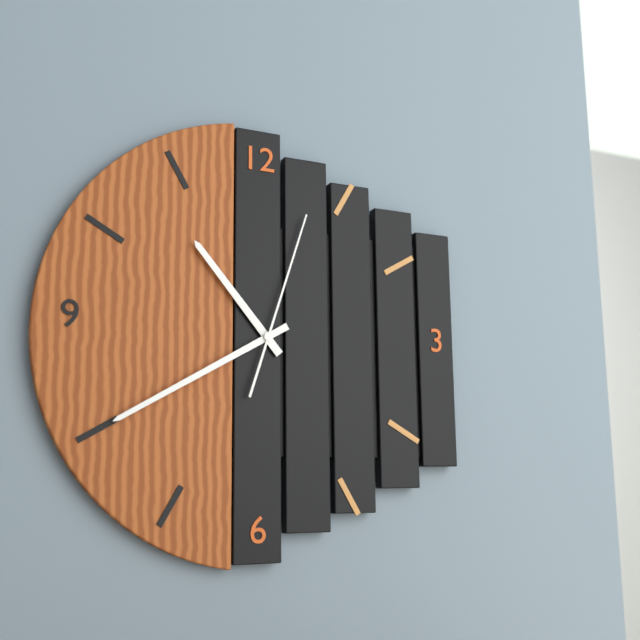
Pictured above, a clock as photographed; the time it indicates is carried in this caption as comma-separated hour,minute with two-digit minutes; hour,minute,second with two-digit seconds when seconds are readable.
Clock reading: 10,40,03
